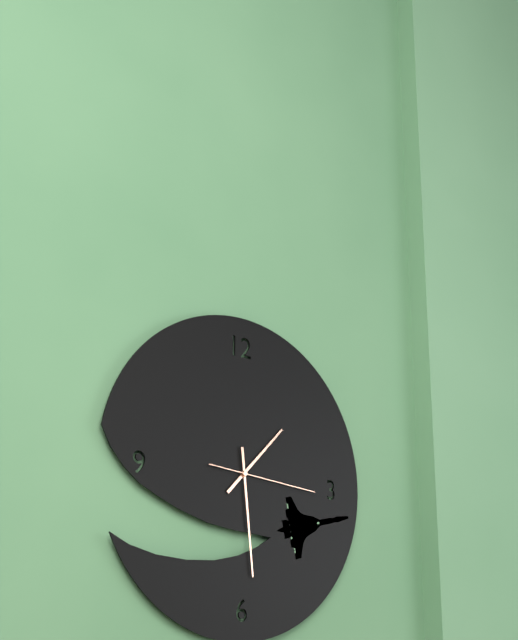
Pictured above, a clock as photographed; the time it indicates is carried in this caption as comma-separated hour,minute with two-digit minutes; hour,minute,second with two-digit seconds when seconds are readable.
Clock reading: 1,29,16
